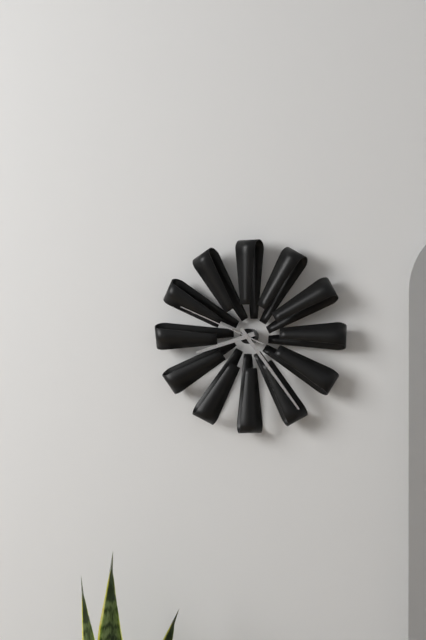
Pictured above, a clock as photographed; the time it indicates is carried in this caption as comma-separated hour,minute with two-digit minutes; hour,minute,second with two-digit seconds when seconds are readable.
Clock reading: 8,24,49
